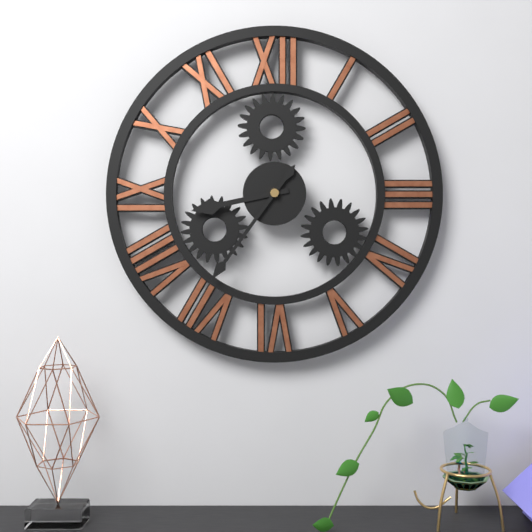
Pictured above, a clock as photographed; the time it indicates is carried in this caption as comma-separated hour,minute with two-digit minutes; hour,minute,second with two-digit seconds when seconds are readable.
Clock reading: 8,36
